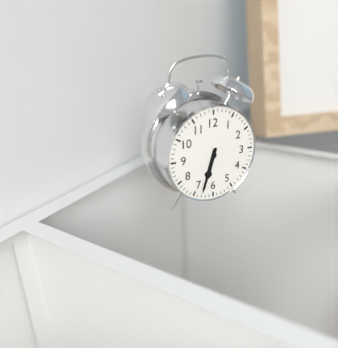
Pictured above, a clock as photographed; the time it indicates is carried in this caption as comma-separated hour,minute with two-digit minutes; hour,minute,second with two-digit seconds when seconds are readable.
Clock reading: 6,33
